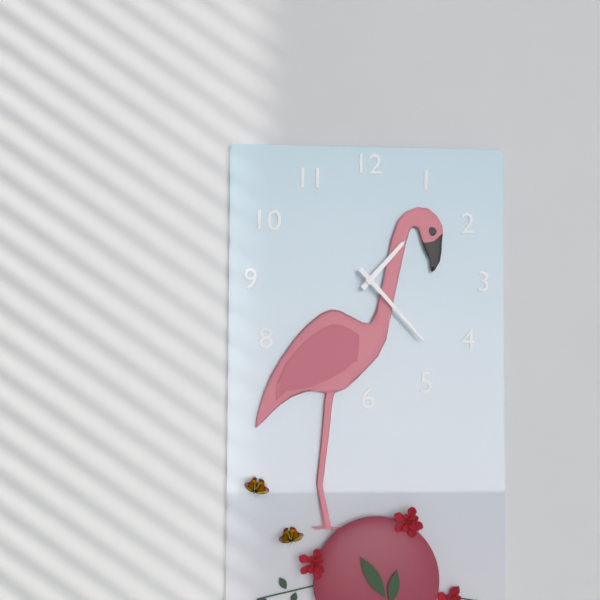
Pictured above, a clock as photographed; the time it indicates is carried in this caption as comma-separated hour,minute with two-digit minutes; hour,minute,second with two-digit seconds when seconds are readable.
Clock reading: 1,23
